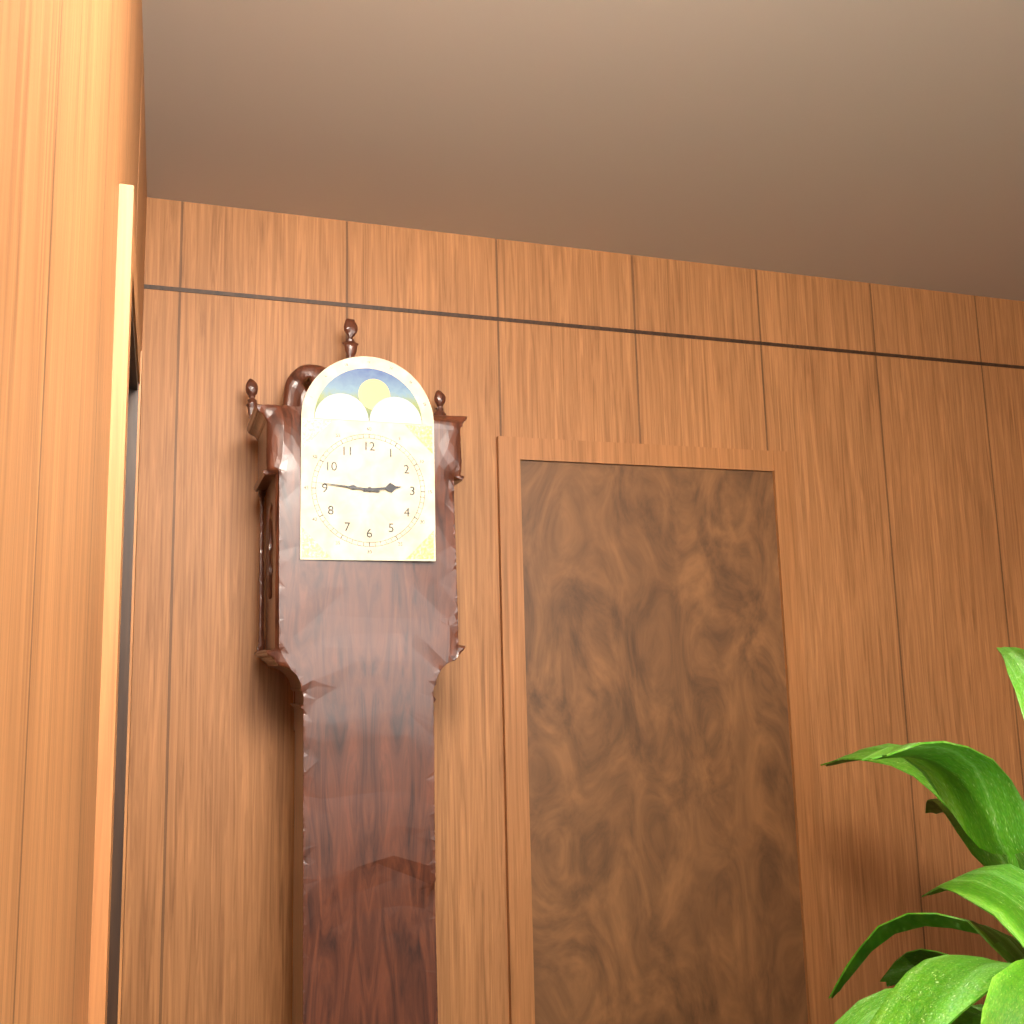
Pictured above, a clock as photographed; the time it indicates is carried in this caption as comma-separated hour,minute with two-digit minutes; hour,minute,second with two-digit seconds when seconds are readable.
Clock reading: 2,46
